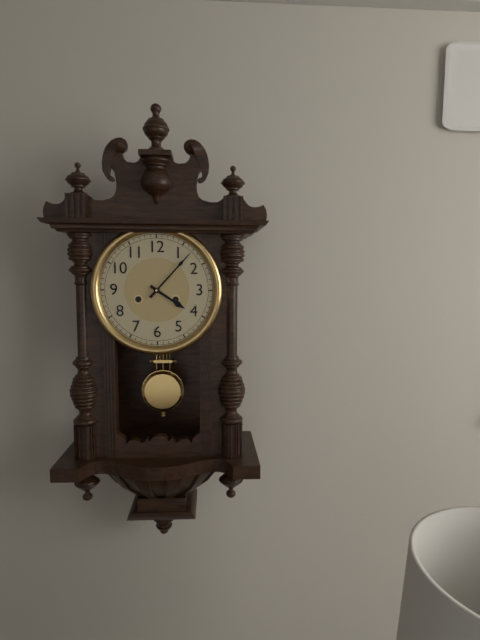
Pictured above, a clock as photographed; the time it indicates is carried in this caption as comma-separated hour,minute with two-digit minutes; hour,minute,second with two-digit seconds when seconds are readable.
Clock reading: 4,07
